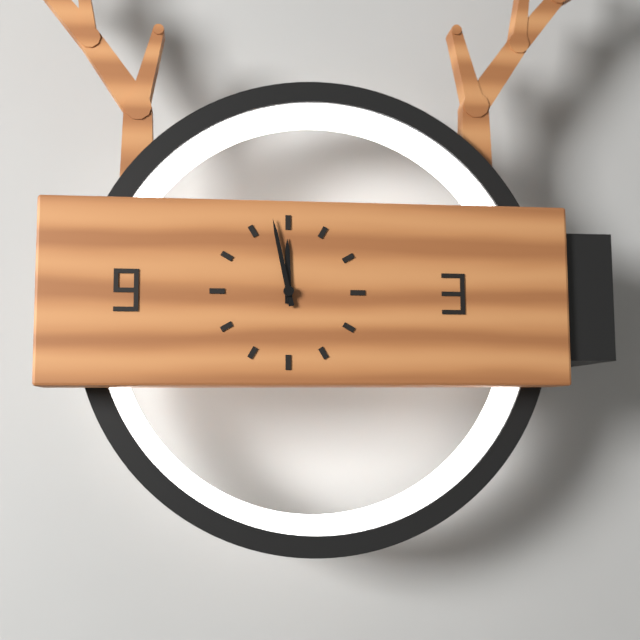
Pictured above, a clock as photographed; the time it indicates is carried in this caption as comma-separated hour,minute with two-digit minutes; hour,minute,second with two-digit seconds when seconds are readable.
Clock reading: 11,58
